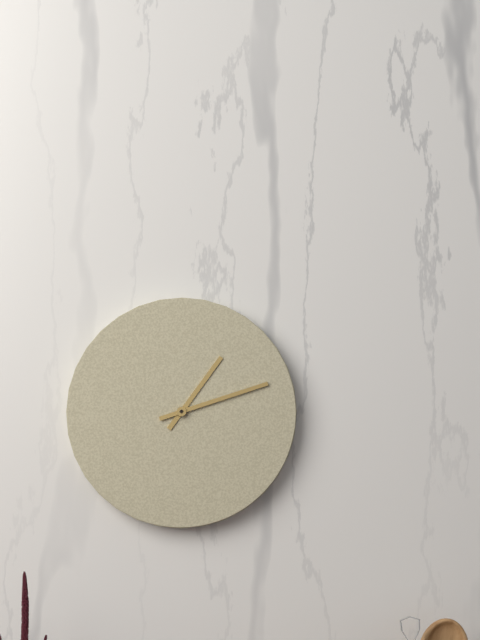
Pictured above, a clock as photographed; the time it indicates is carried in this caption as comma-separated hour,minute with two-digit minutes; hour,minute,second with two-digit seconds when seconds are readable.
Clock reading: 1,12
